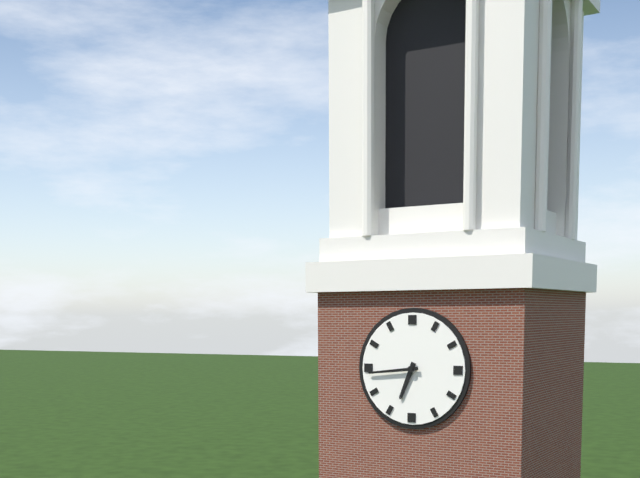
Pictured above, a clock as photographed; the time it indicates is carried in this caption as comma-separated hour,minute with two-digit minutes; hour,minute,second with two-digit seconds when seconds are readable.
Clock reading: 6,44
